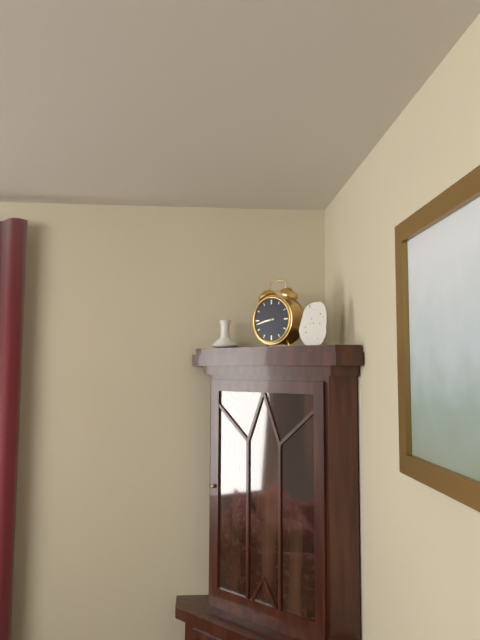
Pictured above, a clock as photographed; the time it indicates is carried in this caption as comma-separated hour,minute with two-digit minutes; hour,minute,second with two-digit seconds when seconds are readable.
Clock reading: 8,43
